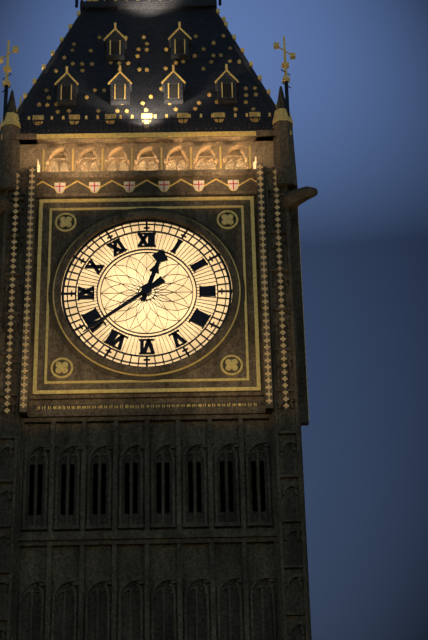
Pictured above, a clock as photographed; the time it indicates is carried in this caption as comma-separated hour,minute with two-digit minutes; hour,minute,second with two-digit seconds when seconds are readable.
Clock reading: 12,39
